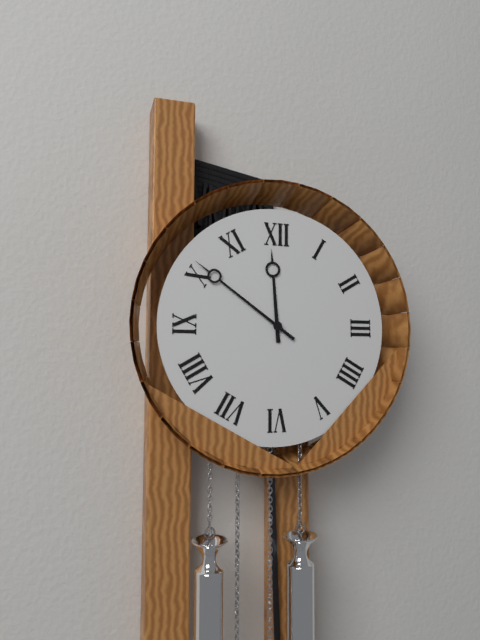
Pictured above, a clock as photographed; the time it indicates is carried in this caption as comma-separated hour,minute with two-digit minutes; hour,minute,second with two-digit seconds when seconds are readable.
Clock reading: 11,51
